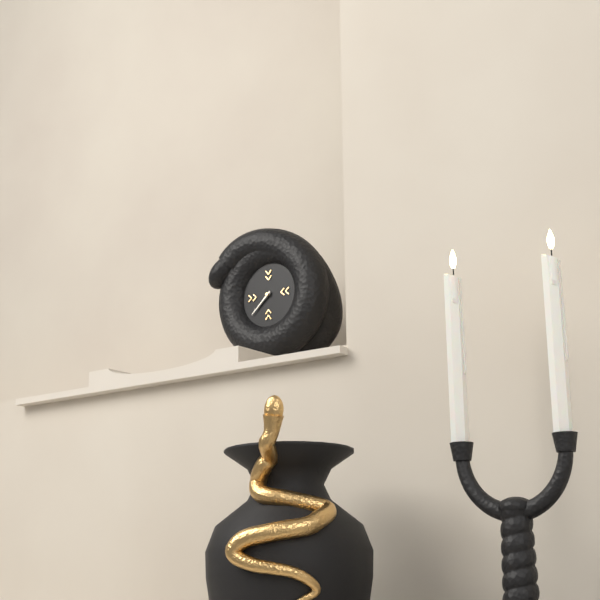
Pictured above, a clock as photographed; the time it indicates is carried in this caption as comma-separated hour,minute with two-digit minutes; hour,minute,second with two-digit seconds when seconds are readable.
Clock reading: 7,38
